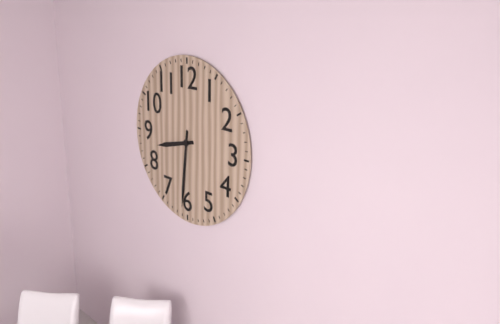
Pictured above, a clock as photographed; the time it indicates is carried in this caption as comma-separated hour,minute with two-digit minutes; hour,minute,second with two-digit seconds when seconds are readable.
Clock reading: 8,31
